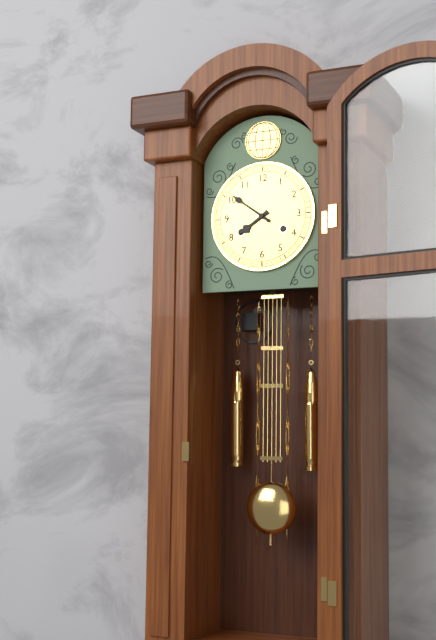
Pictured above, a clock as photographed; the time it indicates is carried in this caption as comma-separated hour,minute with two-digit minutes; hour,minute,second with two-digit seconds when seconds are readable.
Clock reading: 7,51
